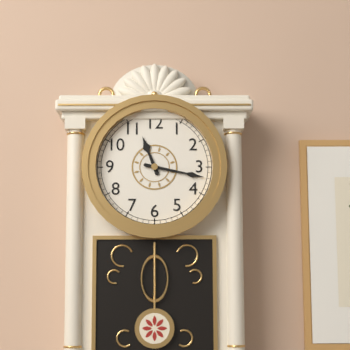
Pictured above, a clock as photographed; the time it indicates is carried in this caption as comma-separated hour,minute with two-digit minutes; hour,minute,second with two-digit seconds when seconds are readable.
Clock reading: 11,17
